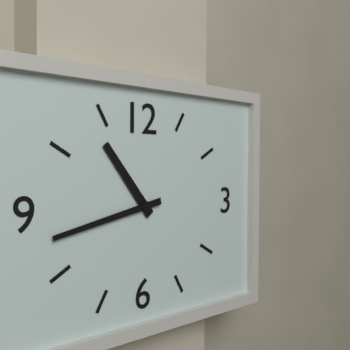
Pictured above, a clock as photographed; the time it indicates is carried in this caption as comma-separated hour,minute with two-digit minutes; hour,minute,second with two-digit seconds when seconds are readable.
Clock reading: 10,43
